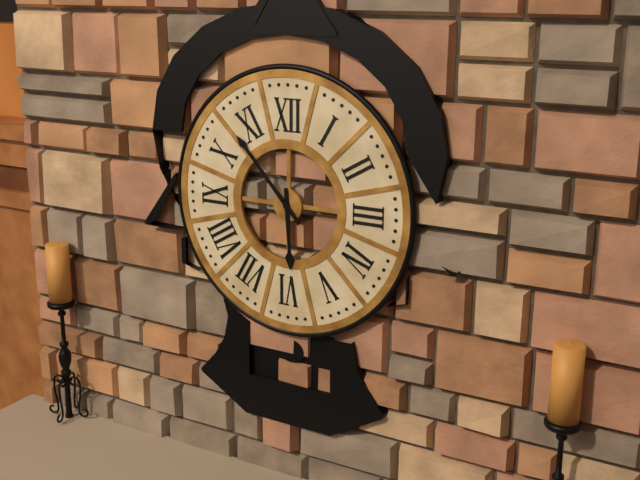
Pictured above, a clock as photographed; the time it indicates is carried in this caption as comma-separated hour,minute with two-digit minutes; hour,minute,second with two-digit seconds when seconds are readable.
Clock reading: 5,53
